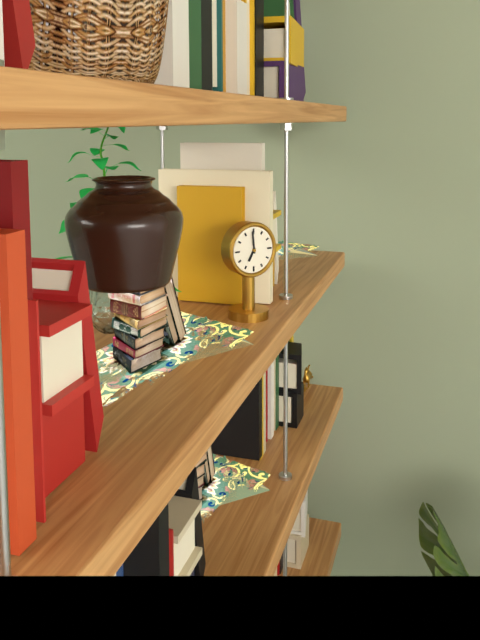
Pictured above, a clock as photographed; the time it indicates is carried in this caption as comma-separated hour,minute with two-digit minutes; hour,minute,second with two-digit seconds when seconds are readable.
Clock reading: 6,59
